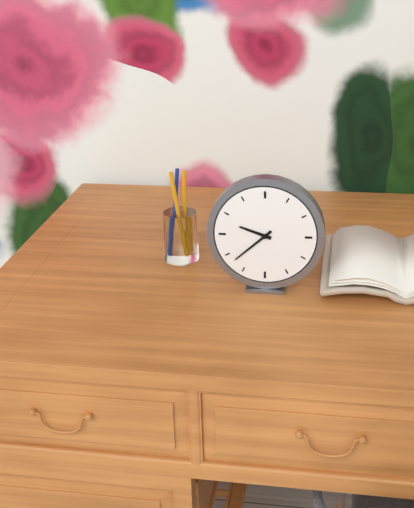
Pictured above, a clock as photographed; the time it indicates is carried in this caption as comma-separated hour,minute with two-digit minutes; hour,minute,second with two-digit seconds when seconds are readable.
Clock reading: 9,38
